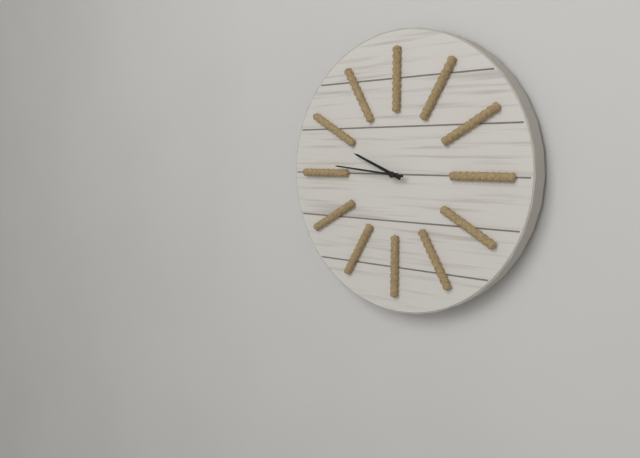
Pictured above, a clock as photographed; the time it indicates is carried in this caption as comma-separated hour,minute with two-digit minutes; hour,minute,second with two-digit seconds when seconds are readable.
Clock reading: 9,46
